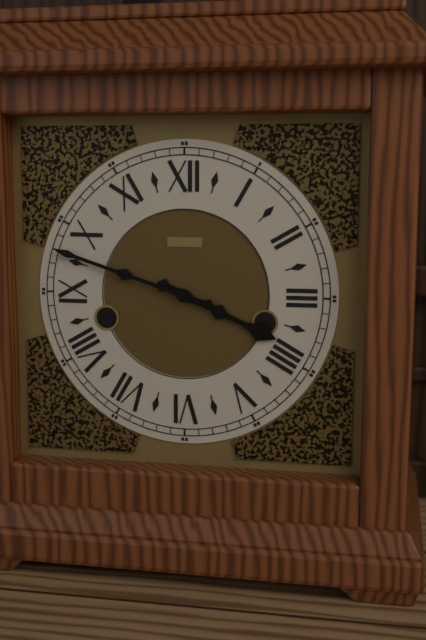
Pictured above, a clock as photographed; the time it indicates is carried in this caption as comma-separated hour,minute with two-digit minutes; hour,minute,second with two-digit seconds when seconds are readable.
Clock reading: 3,48
